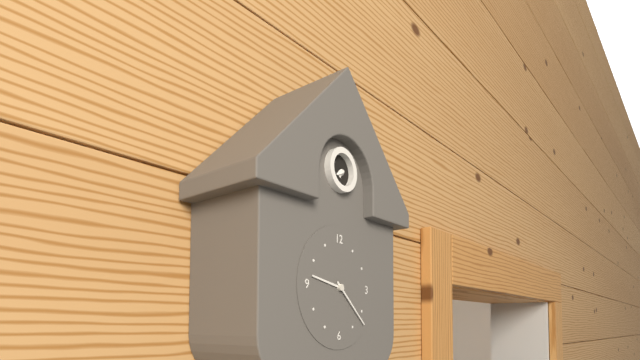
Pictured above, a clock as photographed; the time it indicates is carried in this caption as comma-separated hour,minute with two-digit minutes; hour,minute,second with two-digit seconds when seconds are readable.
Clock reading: 9,22
